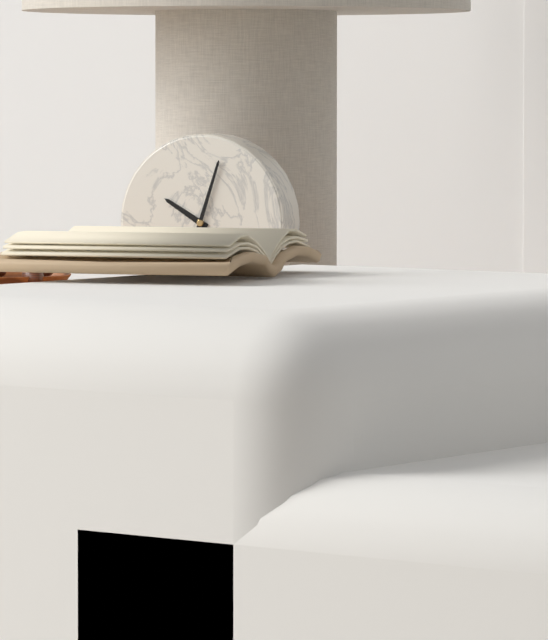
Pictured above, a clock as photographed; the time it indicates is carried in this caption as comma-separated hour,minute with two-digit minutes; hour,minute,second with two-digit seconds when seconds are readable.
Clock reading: 10,03
